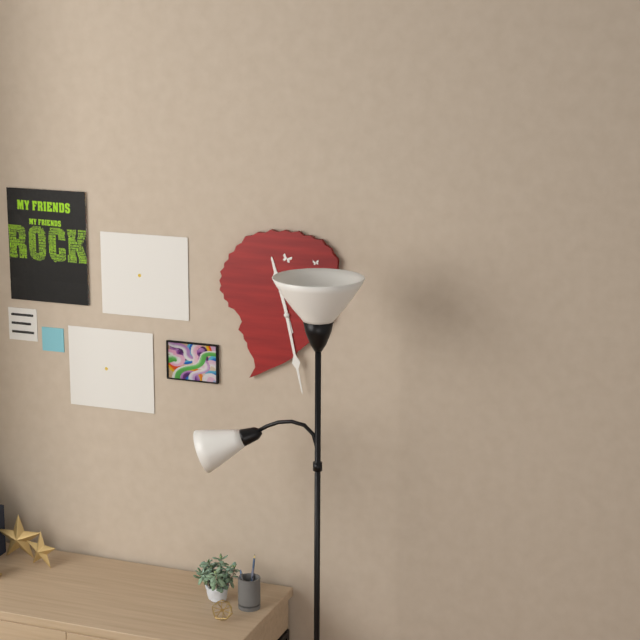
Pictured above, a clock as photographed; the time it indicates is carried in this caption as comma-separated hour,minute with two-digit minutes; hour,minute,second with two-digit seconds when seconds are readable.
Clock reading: 11,28
